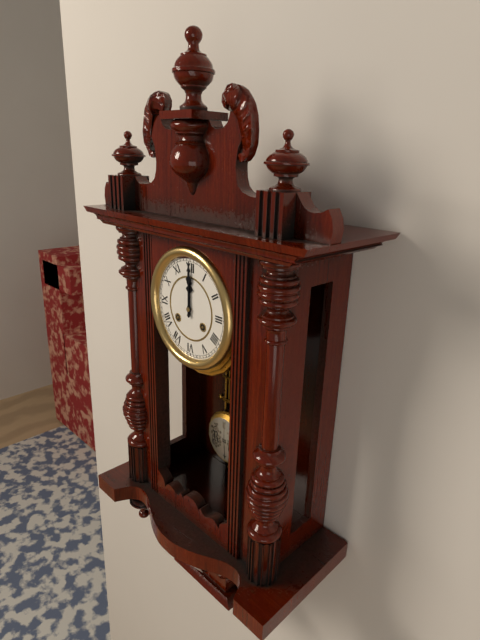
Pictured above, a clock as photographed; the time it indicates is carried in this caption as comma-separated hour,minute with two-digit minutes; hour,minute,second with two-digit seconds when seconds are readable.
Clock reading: 12,00
